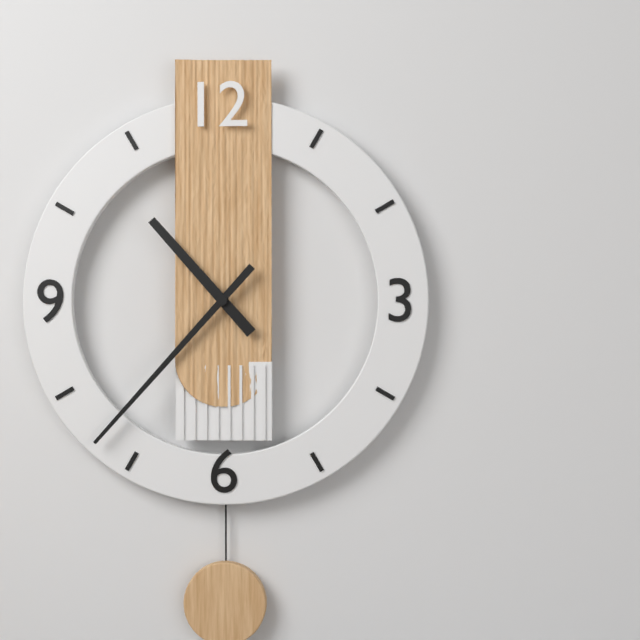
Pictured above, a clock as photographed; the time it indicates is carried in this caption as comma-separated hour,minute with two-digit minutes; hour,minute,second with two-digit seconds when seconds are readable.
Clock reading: 10,37
